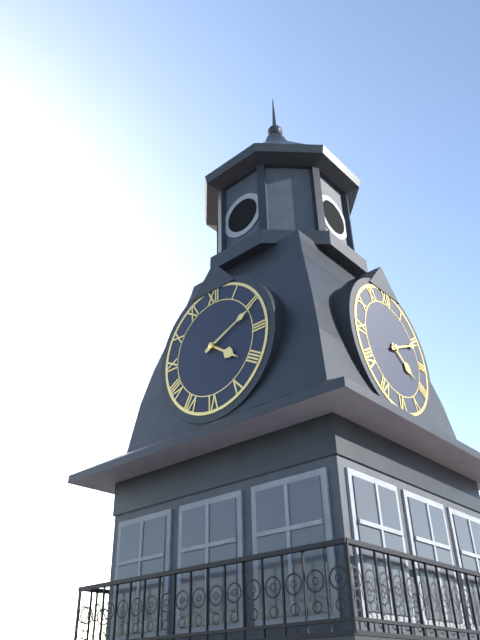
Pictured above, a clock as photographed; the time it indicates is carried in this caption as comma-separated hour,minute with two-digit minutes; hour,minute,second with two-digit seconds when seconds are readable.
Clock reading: 4,11
